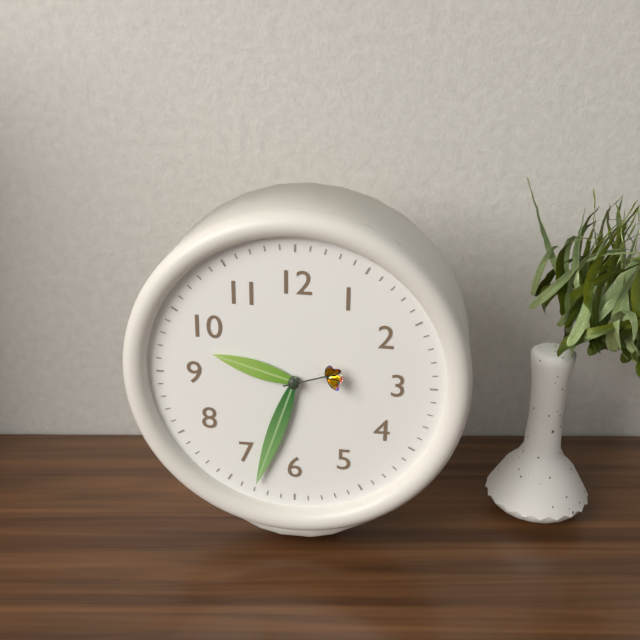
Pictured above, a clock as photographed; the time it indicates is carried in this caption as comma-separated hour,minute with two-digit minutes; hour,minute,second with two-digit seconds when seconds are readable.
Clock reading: 9,33,12
